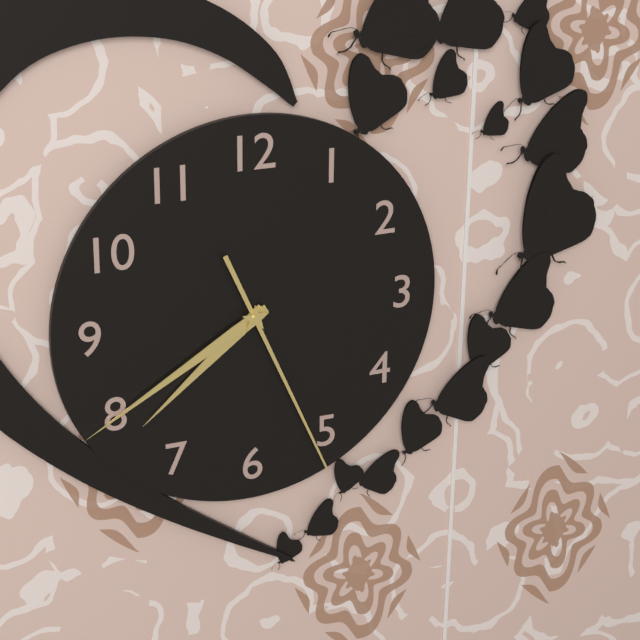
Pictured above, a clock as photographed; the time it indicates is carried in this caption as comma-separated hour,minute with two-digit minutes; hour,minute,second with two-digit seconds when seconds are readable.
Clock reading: 7,40,26
